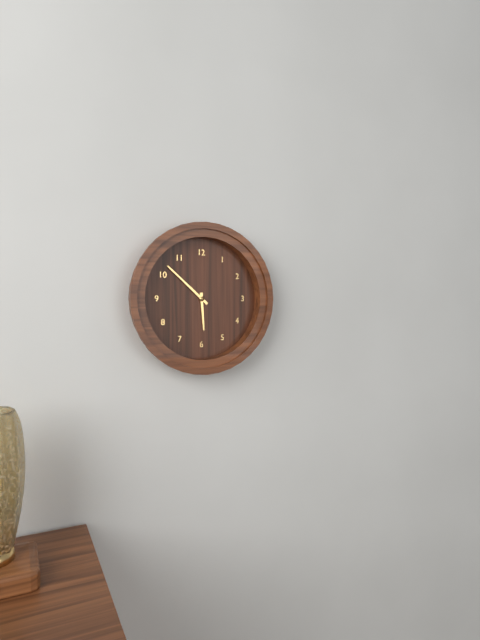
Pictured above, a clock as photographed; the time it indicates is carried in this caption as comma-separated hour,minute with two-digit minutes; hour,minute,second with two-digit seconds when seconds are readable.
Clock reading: 5,52
